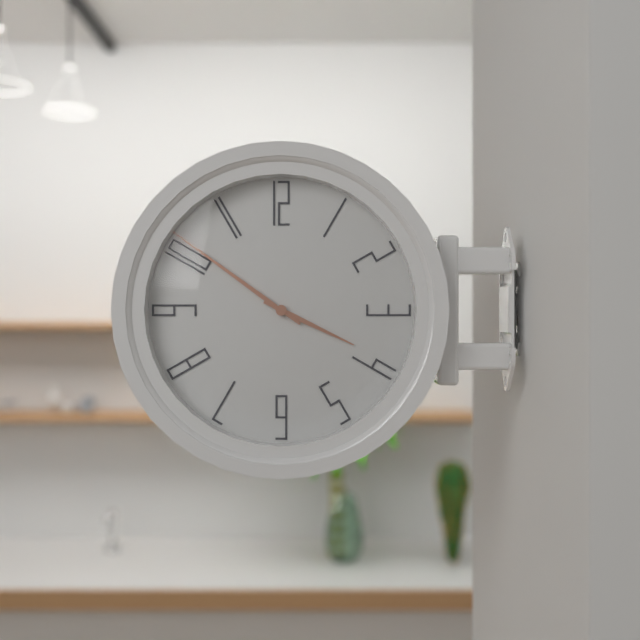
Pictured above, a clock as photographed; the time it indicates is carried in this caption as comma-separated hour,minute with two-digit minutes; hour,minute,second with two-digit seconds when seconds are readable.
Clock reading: 3,51
